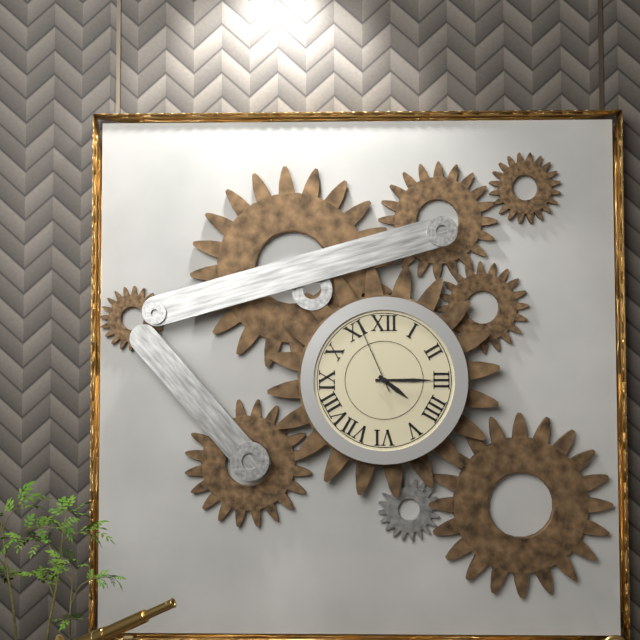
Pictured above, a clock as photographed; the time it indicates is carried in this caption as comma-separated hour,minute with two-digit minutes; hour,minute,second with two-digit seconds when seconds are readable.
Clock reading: 4,15,56
